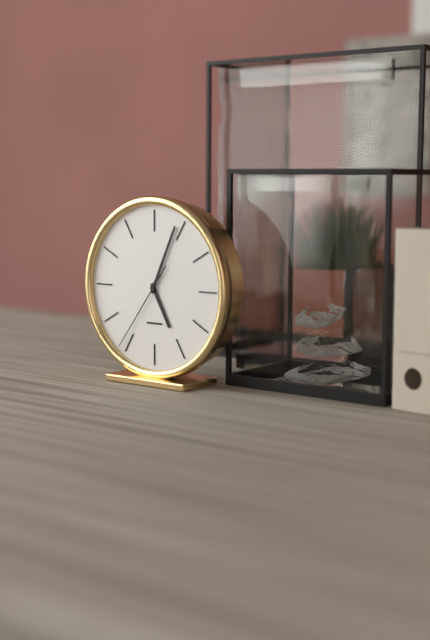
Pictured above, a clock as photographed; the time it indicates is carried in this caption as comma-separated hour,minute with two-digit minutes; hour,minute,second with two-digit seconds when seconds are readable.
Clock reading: 5,04,36
